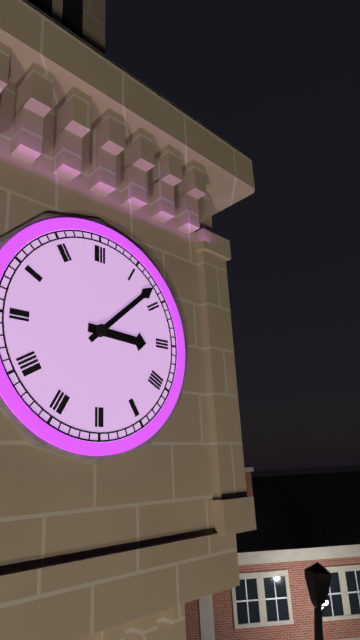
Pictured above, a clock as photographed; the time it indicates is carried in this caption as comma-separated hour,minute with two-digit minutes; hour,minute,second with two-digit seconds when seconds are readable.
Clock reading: 3,08
